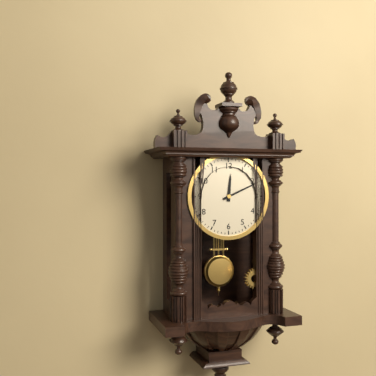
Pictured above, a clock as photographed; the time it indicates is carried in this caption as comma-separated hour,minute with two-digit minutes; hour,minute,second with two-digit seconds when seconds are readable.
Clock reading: 12,11
